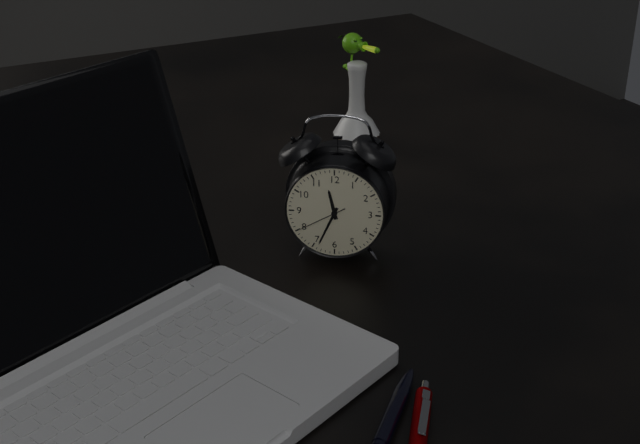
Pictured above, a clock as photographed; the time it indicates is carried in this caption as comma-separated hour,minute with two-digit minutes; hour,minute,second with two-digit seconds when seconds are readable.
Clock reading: 11,34,40
